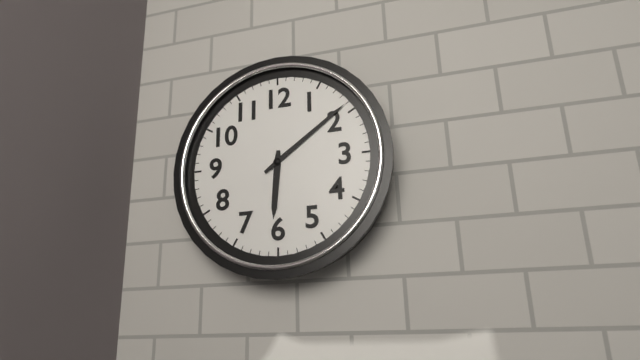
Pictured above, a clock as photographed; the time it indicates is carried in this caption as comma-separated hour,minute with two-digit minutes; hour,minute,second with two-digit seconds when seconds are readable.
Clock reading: 6,09
